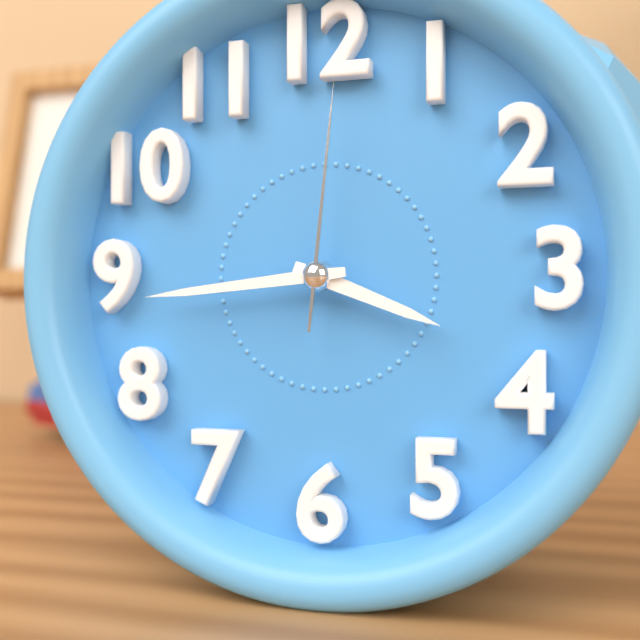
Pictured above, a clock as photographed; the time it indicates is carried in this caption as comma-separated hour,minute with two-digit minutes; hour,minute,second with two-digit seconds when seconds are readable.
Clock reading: 3,44,01
